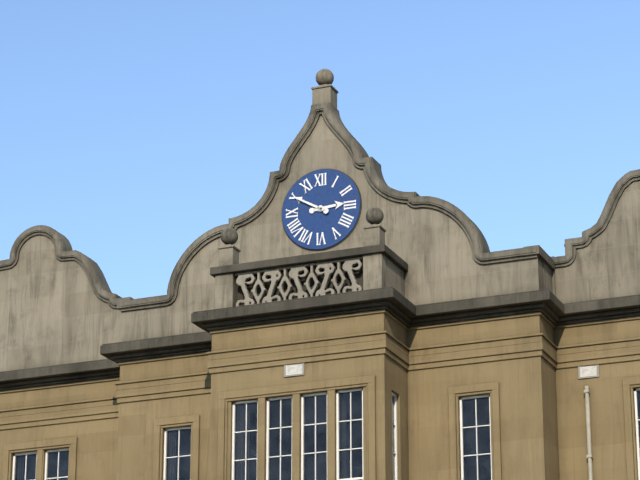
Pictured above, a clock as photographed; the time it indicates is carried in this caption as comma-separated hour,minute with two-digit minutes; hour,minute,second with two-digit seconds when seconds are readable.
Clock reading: 2,50
